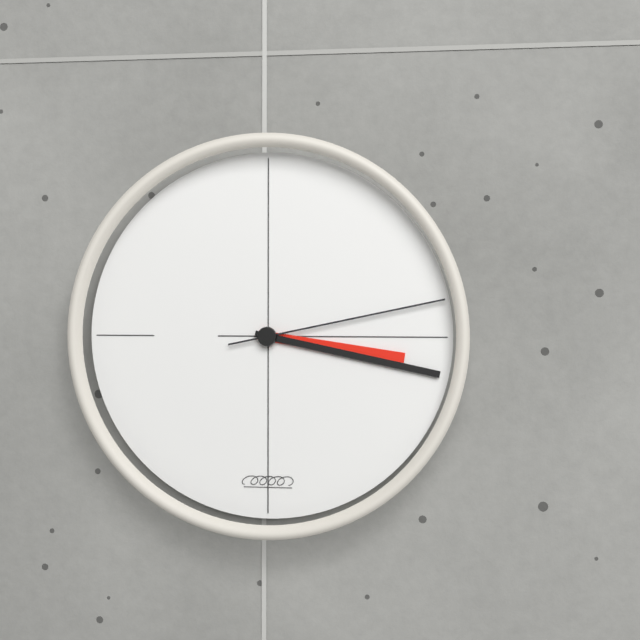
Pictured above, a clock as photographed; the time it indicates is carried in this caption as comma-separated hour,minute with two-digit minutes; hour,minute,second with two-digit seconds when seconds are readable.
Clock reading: 3,17,13
